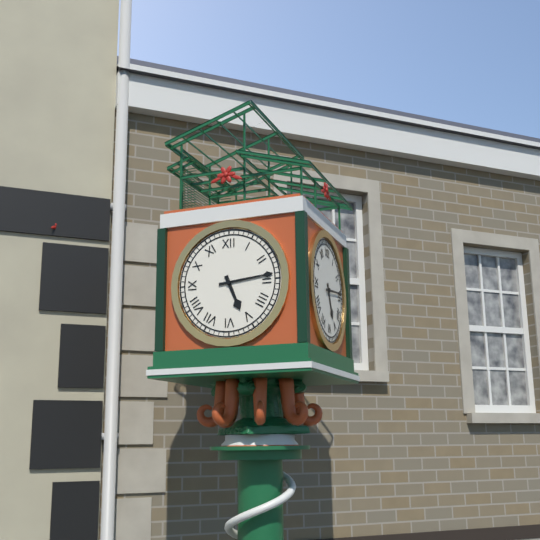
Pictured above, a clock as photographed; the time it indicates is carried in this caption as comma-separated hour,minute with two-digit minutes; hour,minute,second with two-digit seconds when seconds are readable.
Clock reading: 5,14
